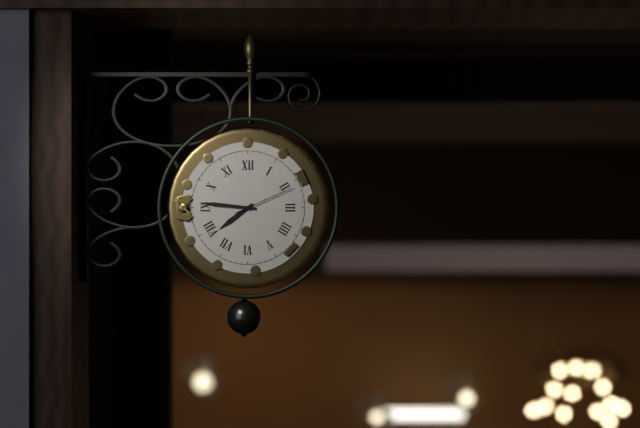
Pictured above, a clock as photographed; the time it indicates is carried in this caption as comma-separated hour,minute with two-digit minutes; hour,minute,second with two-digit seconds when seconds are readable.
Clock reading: 7,46,11
